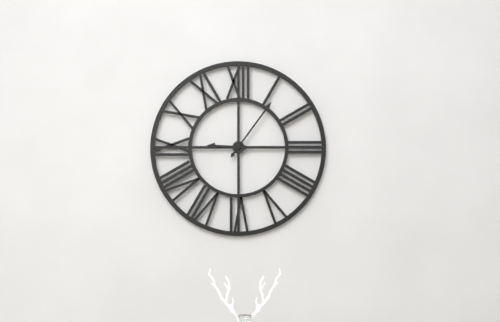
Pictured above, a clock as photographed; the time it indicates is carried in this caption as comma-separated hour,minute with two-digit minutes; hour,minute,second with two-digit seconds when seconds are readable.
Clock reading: 9,06
